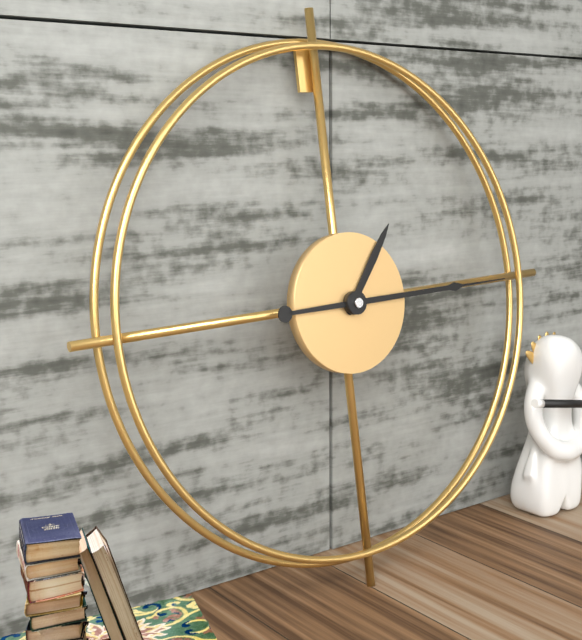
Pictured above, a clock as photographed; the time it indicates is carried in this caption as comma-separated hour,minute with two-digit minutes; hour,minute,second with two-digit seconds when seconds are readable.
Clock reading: 1,15
